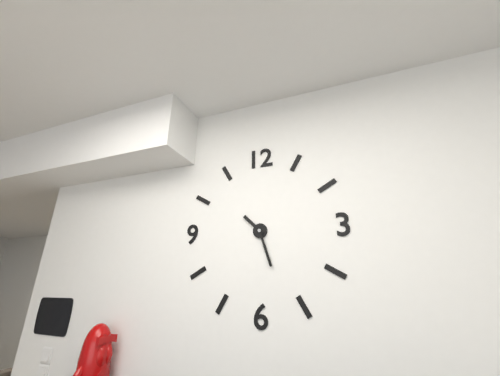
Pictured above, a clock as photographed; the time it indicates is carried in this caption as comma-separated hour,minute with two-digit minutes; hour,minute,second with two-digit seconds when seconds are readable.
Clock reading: 10,27
